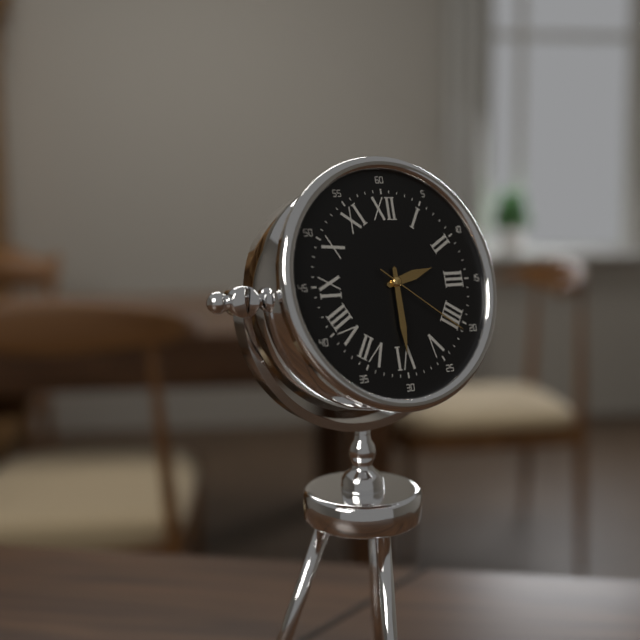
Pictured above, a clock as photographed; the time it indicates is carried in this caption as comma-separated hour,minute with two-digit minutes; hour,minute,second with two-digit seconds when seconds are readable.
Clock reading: 2,30,21
